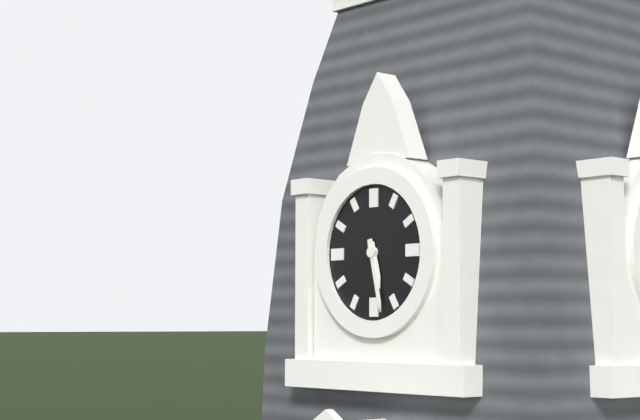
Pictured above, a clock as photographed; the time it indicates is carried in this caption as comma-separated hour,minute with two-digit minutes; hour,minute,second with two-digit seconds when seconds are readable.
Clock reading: 5,28
